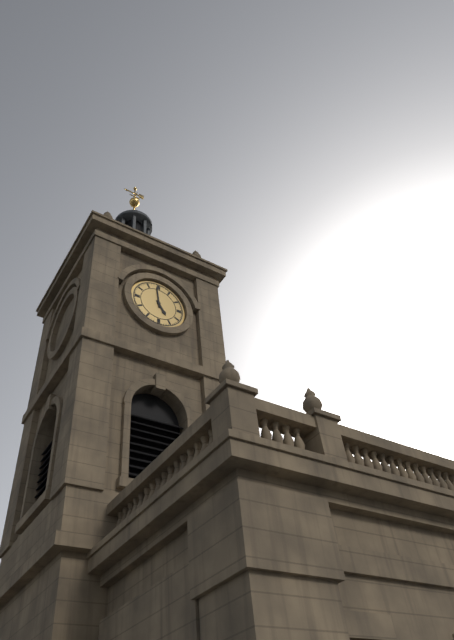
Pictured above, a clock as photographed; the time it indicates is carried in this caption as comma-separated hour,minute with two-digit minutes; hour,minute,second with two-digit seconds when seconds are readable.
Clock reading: 4,59
